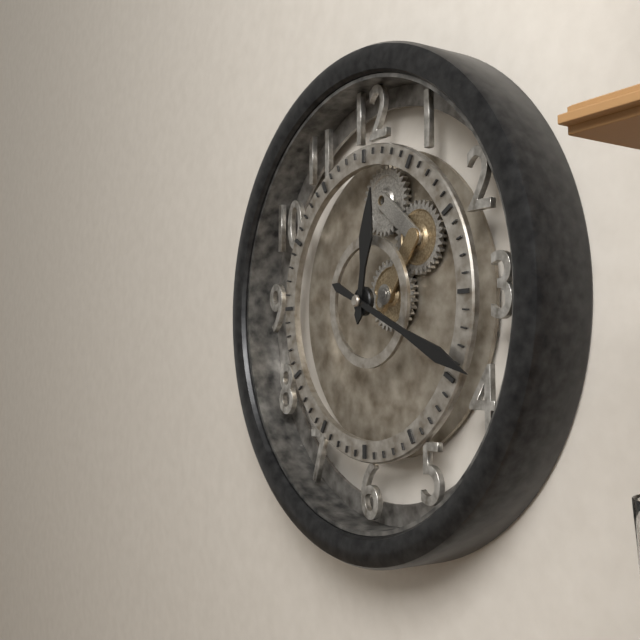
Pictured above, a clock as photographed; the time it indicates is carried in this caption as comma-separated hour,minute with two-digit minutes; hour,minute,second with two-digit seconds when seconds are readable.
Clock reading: 12,19
